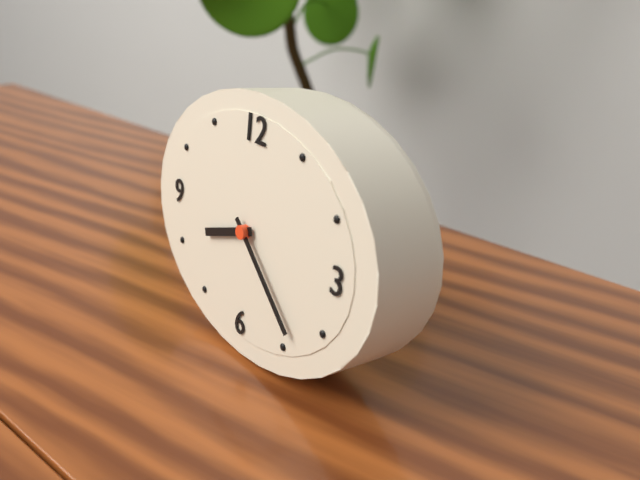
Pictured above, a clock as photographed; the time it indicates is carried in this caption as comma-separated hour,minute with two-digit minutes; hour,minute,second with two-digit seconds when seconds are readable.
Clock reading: 8,22
